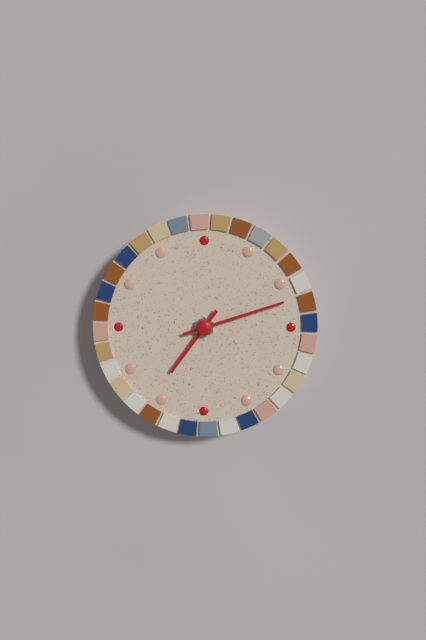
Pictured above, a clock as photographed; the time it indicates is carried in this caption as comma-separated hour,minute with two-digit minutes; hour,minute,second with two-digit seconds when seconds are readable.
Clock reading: 7,12
